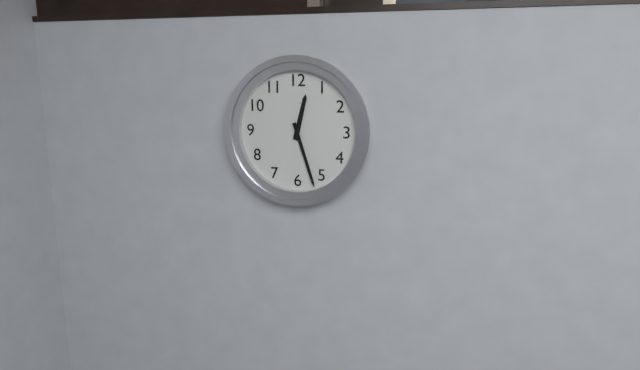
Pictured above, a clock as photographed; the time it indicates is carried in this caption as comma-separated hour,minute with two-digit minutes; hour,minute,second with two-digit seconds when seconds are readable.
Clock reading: 12,27
